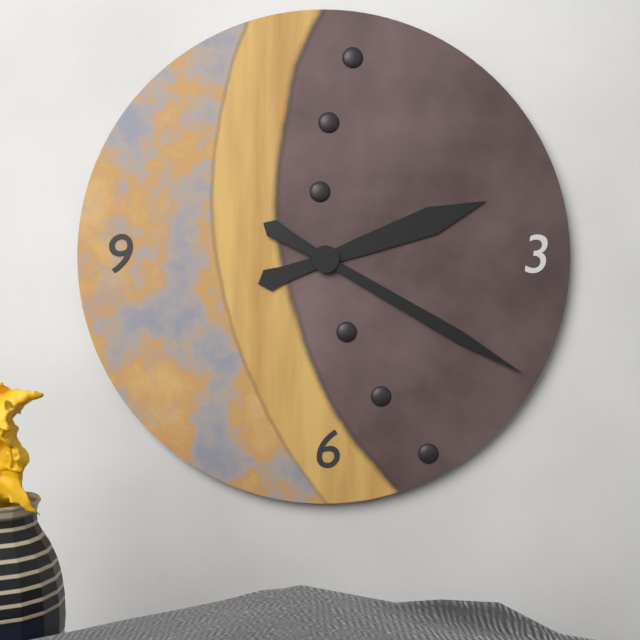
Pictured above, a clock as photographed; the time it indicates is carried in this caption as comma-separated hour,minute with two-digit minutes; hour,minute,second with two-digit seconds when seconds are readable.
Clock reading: 2,20
